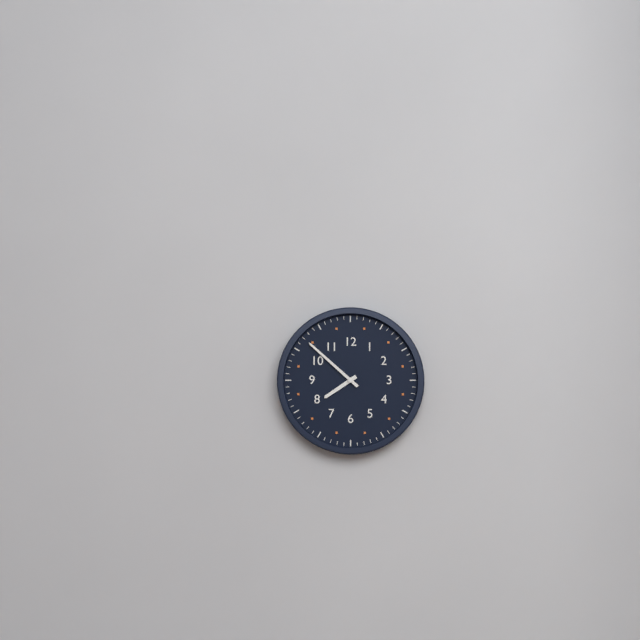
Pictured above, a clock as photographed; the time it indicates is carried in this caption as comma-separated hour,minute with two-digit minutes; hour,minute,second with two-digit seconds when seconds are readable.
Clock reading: 7,52
